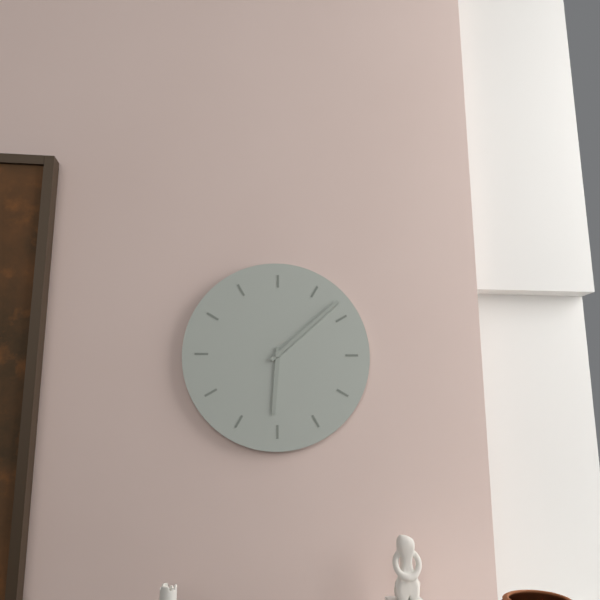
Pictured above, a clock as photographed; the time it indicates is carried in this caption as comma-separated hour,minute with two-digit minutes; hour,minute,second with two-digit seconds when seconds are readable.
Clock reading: 6,08
